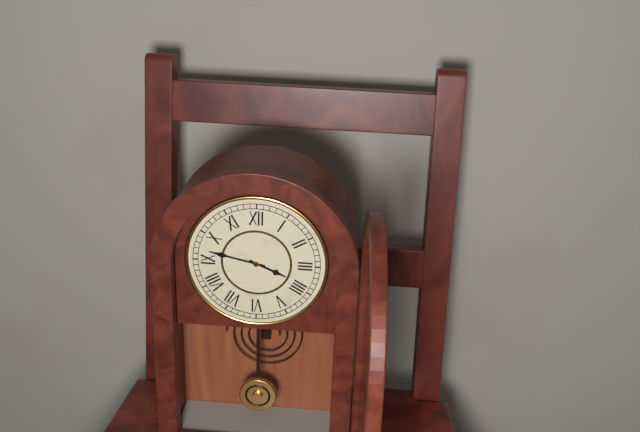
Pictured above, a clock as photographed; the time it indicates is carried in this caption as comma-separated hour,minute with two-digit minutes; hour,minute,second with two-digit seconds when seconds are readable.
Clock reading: 3,47
